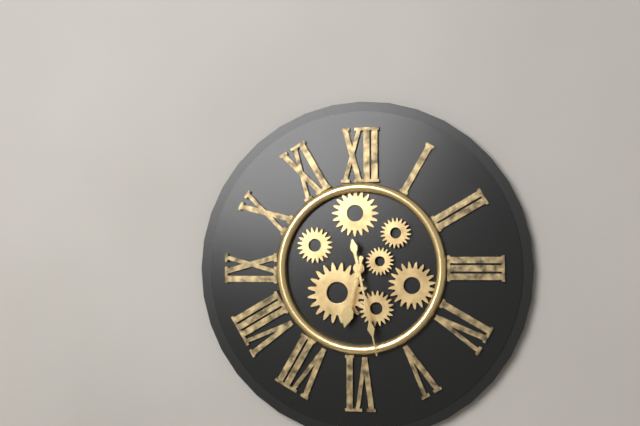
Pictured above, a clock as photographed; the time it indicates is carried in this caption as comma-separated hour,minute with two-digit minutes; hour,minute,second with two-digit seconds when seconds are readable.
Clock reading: 6,28
